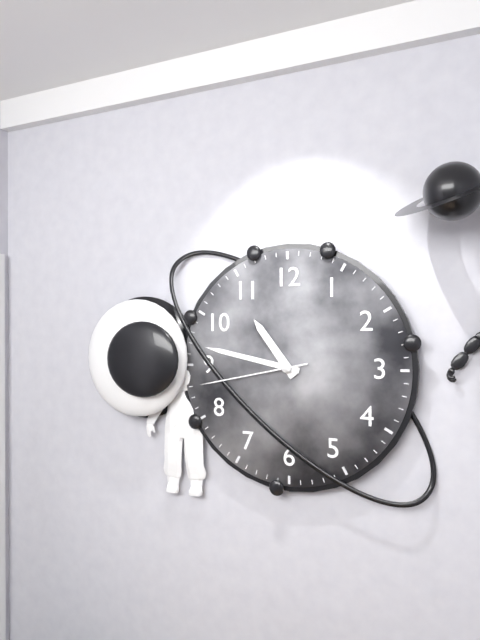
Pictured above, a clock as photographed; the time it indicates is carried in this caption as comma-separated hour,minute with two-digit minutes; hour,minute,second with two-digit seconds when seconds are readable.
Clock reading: 10,47,43
